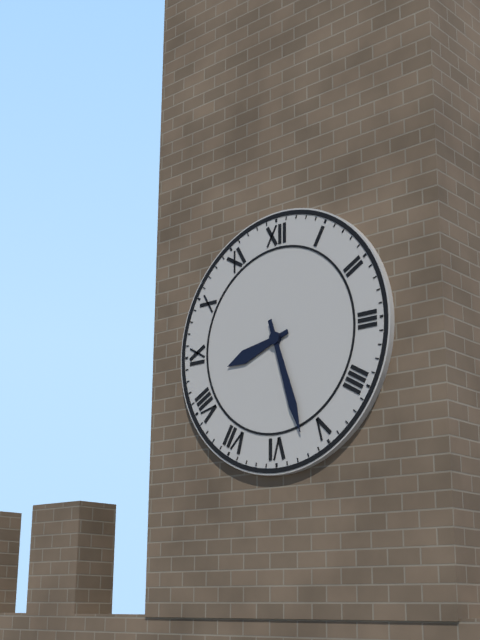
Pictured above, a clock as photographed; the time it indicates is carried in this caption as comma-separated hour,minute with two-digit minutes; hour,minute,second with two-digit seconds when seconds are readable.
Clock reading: 8,27
